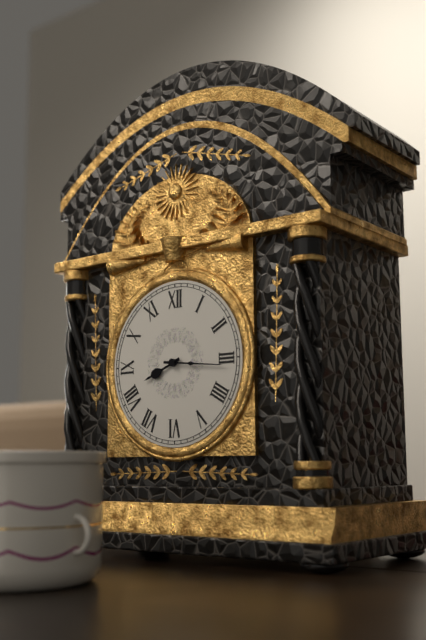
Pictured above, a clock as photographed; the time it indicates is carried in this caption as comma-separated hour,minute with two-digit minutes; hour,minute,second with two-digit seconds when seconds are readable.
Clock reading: 8,16
